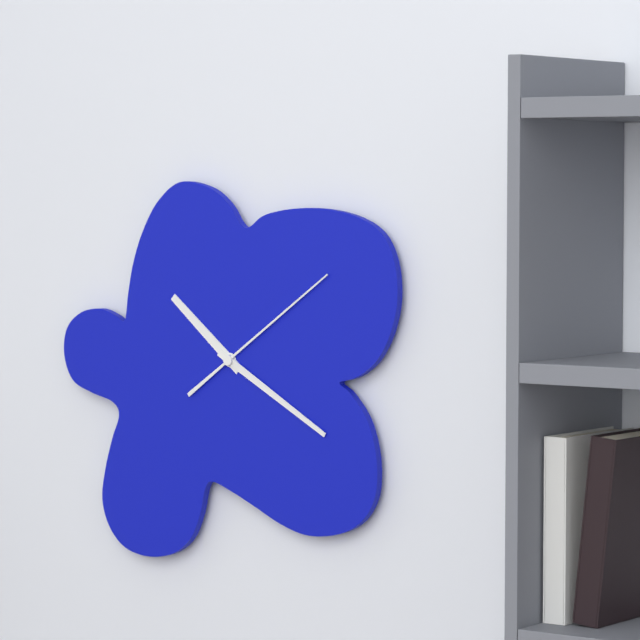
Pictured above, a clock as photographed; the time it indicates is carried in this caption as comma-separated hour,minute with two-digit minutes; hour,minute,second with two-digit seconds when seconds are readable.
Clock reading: 10,20,09
